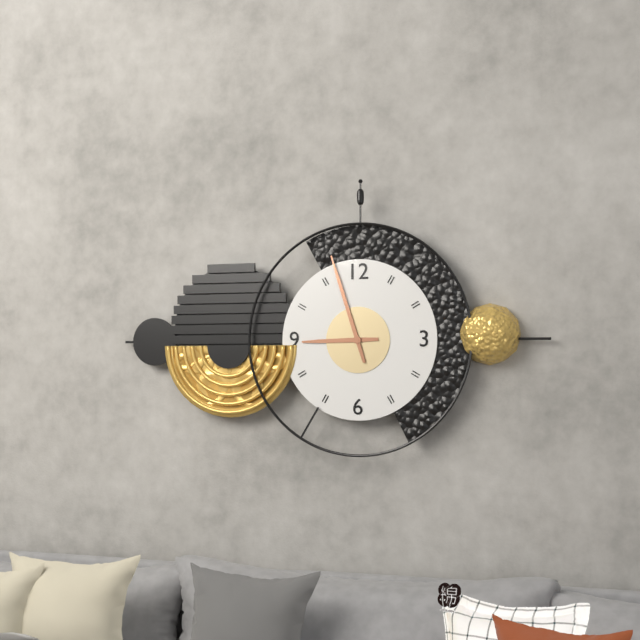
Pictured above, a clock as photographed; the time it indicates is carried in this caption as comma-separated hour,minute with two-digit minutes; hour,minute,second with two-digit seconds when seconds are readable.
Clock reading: 8,57
